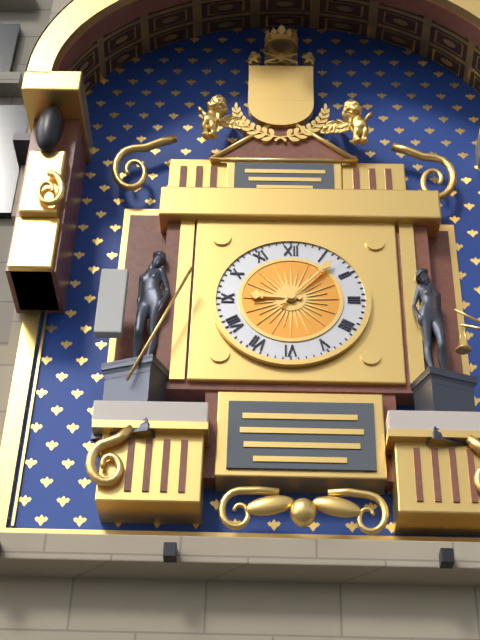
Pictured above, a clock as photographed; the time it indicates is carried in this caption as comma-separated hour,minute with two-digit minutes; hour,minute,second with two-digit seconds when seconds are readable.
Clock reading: 9,07
